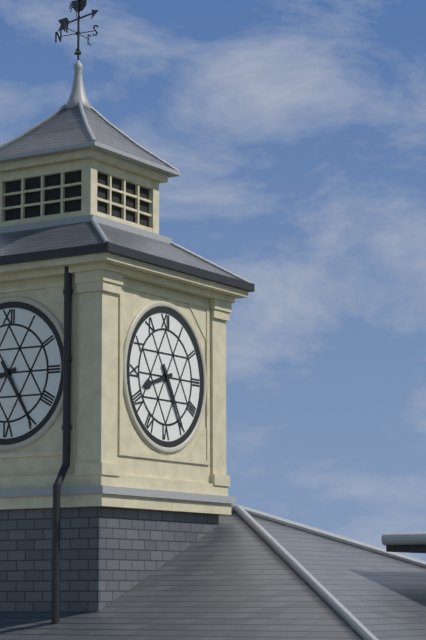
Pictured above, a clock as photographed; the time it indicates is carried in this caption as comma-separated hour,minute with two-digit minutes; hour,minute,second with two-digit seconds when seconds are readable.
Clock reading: 8,25
